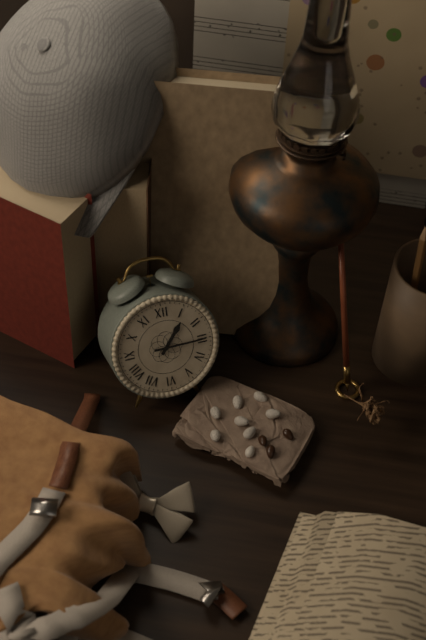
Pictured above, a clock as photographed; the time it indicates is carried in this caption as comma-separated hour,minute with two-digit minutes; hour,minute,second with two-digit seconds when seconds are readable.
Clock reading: 1,15
